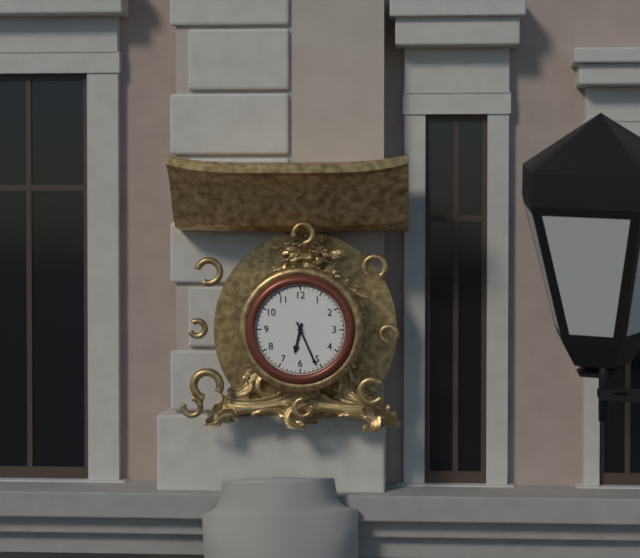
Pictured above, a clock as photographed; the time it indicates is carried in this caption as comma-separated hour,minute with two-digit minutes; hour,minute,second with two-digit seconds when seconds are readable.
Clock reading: 6,26
